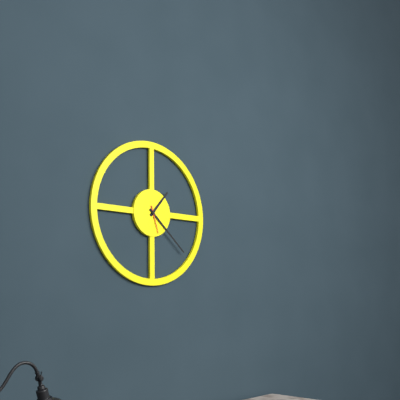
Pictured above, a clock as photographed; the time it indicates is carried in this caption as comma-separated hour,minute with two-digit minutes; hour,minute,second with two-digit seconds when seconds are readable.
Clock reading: 1,22
